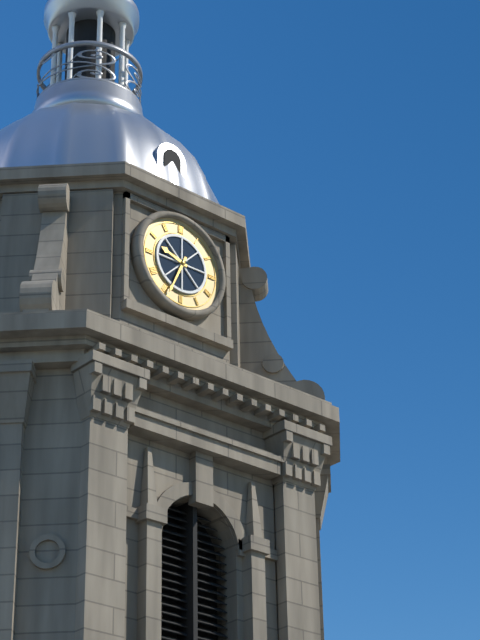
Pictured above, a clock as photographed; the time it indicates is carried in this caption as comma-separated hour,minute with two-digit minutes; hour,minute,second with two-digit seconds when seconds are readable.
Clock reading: 9,34
